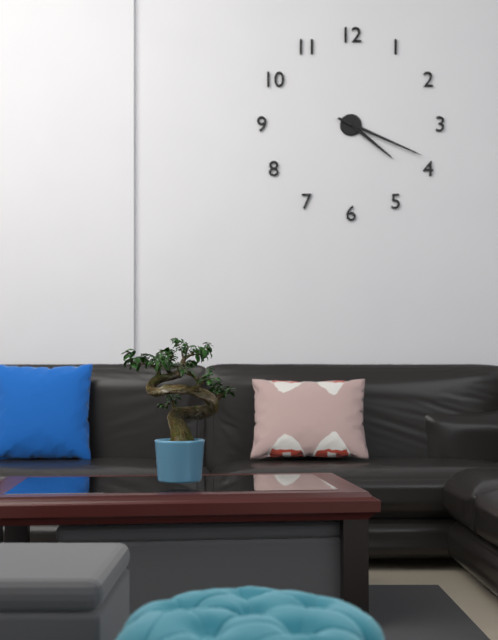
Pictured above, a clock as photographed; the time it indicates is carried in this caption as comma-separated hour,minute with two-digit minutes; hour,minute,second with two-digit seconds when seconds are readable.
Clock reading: 4,19
